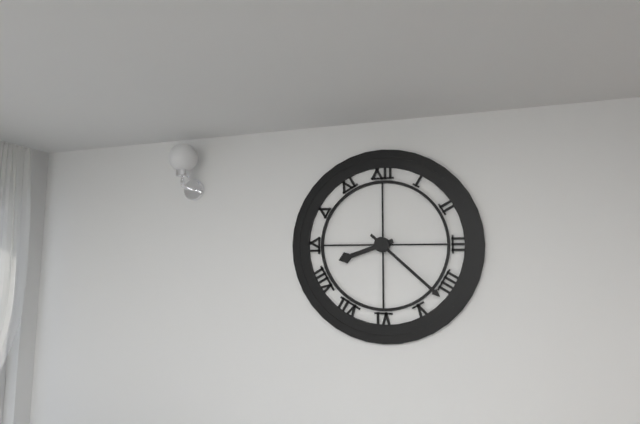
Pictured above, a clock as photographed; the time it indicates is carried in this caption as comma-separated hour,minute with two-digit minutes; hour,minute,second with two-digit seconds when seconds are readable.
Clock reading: 8,22
